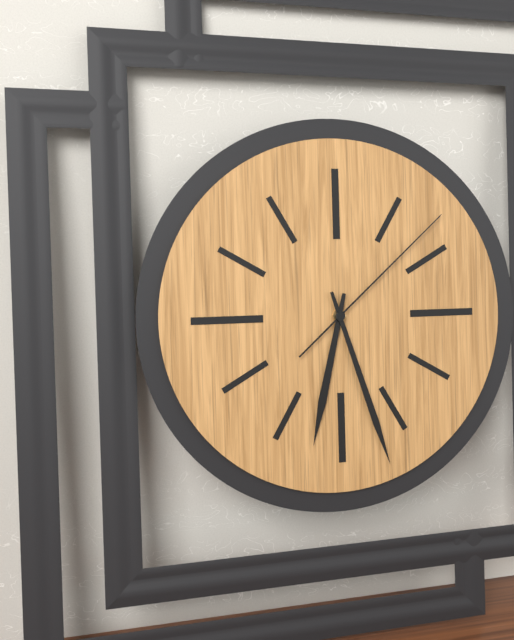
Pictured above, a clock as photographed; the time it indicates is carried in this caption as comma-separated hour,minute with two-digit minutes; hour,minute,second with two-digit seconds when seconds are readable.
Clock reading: 6,27,08
